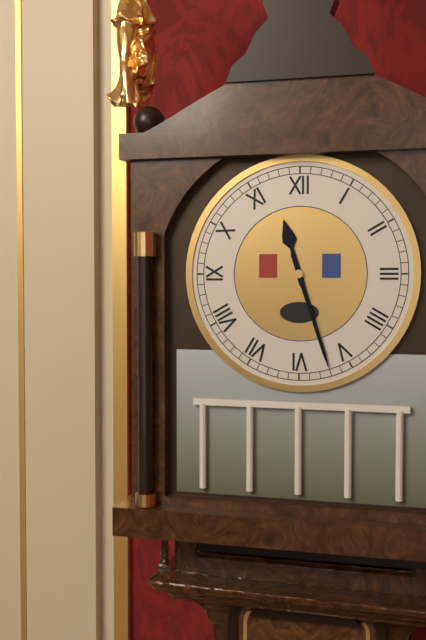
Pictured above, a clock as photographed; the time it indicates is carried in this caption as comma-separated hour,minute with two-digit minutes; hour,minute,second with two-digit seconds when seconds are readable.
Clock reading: 11,27
